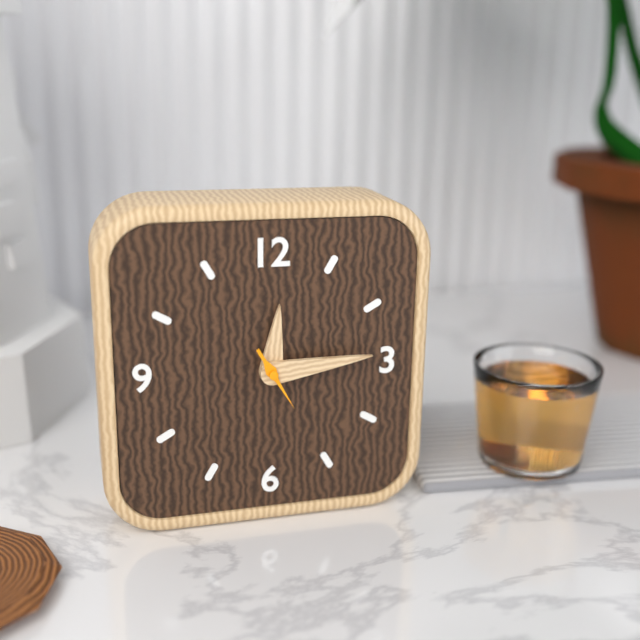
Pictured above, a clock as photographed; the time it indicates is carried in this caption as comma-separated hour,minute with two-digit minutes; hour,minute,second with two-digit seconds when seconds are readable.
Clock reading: 12,14,25
